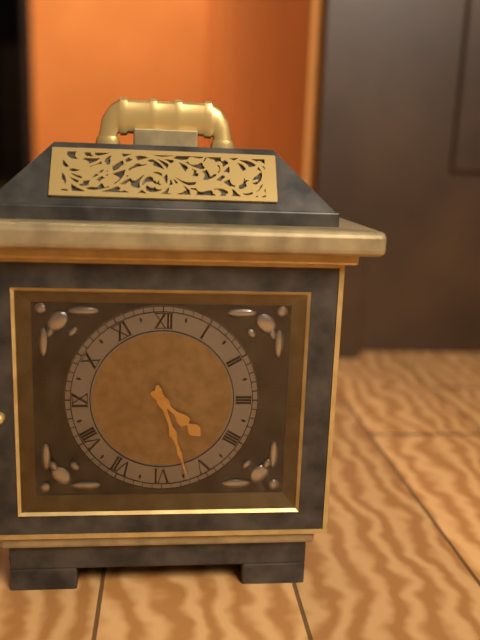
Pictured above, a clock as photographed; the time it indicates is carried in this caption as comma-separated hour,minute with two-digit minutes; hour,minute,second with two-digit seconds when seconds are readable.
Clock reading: 4,27
